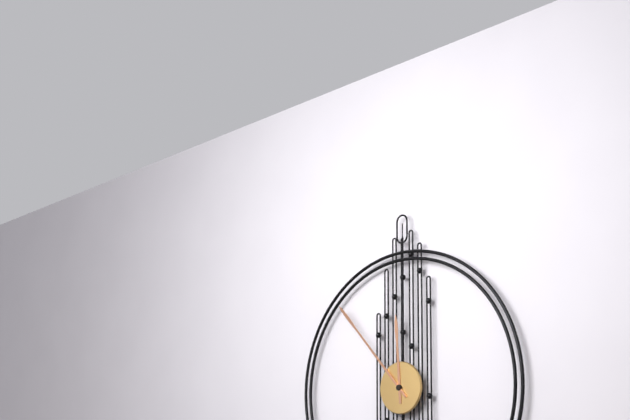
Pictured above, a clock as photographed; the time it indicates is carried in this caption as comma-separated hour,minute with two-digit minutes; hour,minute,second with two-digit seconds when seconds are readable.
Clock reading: 11,53
